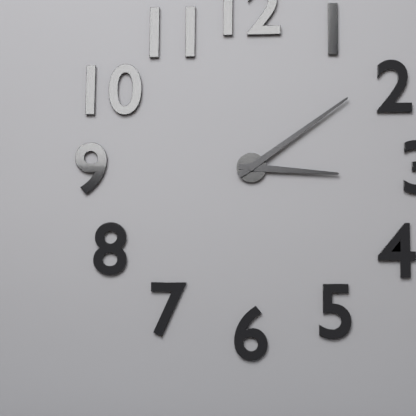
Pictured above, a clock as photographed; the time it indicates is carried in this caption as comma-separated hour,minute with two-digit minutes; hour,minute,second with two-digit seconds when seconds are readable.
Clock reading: 3,09
